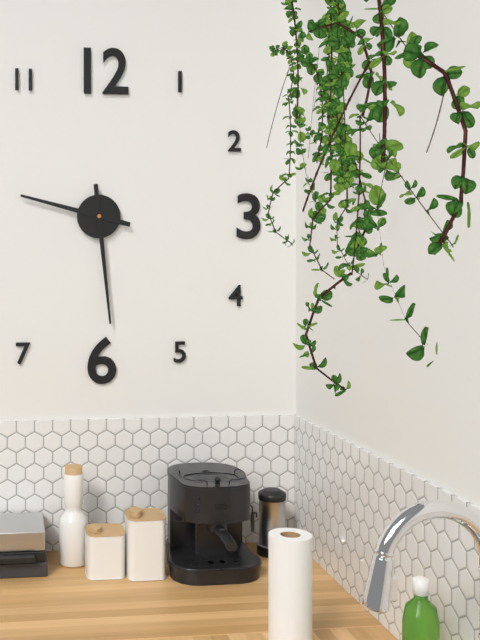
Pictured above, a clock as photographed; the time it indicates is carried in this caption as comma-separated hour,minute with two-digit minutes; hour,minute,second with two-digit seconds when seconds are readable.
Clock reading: 9,29
